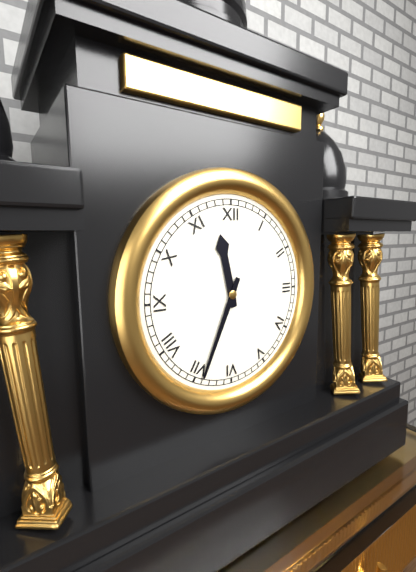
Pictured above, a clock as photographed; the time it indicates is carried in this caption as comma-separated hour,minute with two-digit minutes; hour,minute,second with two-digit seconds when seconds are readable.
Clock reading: 11,34
